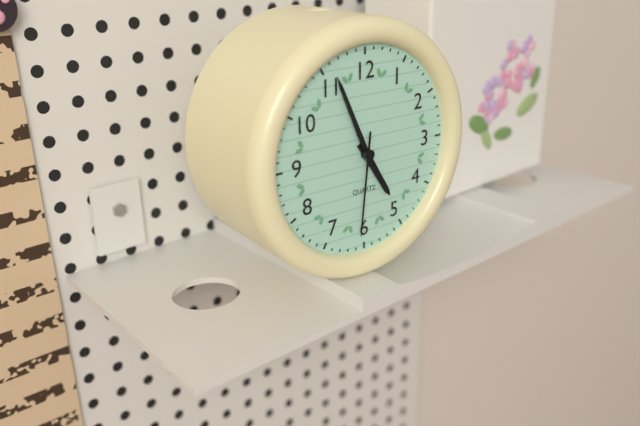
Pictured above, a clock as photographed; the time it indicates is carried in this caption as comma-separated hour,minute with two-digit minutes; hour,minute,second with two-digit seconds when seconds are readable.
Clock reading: 4,56,31
